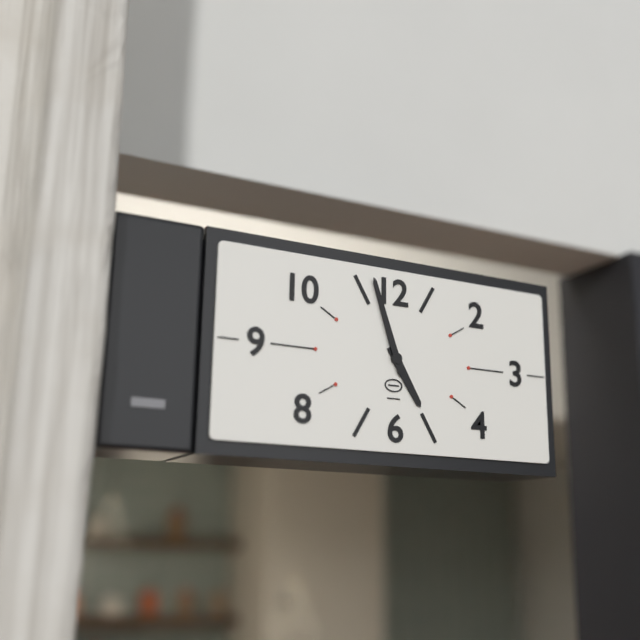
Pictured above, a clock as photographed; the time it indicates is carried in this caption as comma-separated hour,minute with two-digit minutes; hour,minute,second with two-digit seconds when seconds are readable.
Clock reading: 4,57
